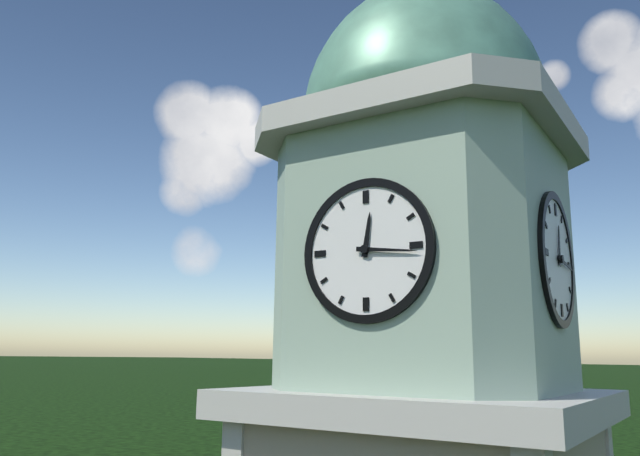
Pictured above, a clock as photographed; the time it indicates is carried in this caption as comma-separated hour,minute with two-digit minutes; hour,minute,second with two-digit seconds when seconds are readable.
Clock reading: 12,16
